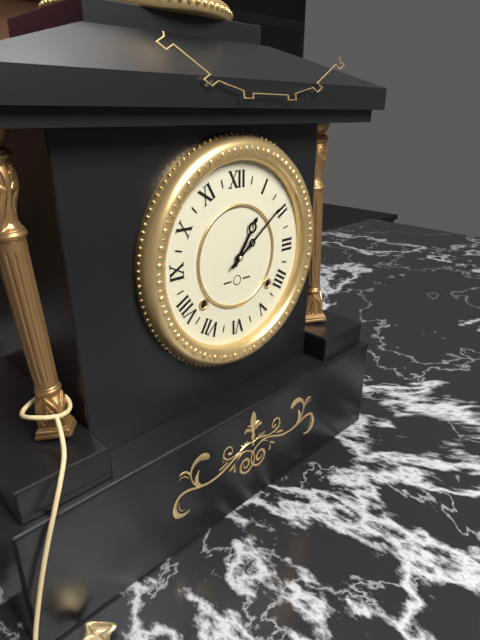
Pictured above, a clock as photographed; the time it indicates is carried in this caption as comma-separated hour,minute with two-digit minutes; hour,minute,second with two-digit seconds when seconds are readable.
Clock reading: 1,09
